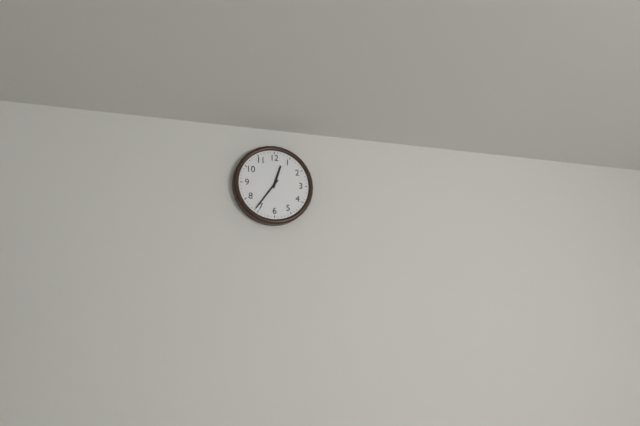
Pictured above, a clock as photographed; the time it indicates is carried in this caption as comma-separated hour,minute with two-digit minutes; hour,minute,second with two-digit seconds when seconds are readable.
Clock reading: 12,36
